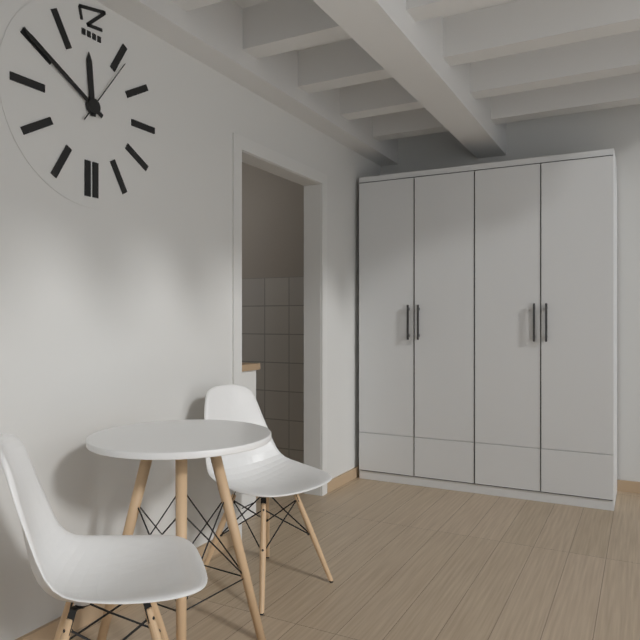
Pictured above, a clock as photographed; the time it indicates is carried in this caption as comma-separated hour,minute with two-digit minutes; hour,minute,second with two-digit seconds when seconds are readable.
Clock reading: 11,50,06
